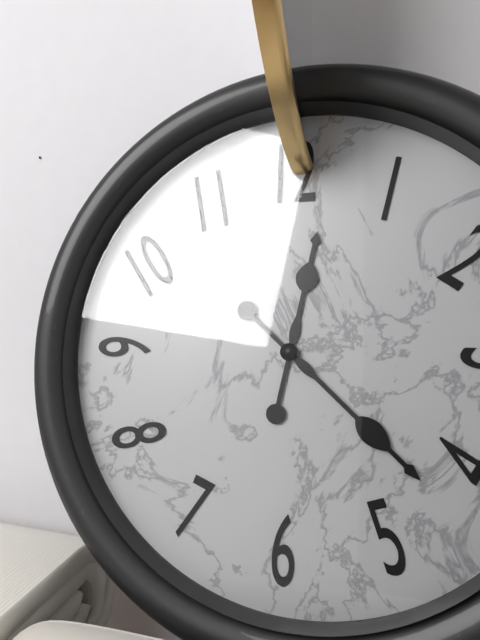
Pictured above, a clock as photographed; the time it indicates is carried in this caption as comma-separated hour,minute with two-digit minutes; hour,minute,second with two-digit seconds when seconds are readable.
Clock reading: 12,22
